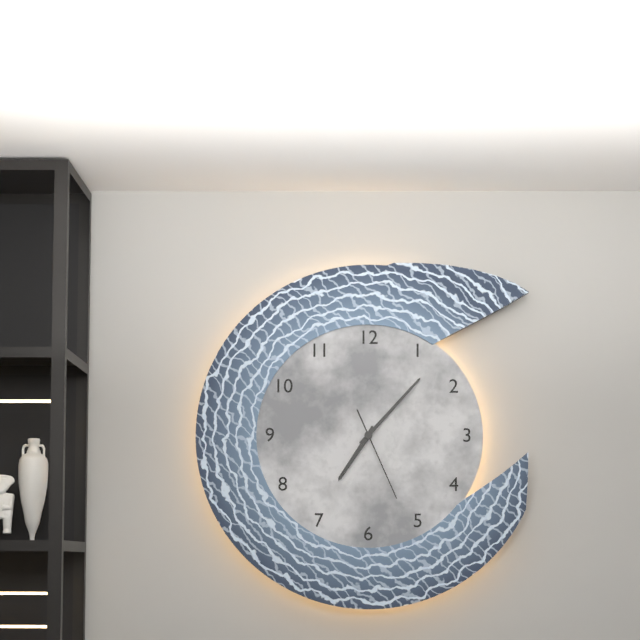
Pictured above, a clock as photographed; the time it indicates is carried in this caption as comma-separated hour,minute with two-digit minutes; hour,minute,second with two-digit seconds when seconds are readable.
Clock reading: 7,07,26
